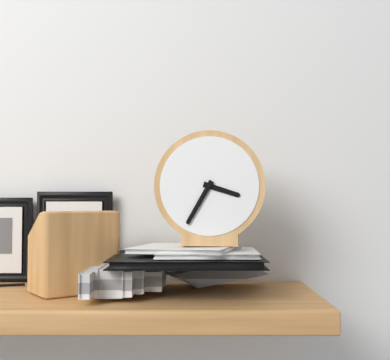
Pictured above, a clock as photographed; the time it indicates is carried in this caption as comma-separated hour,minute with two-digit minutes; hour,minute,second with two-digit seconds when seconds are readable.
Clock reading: 3,35
